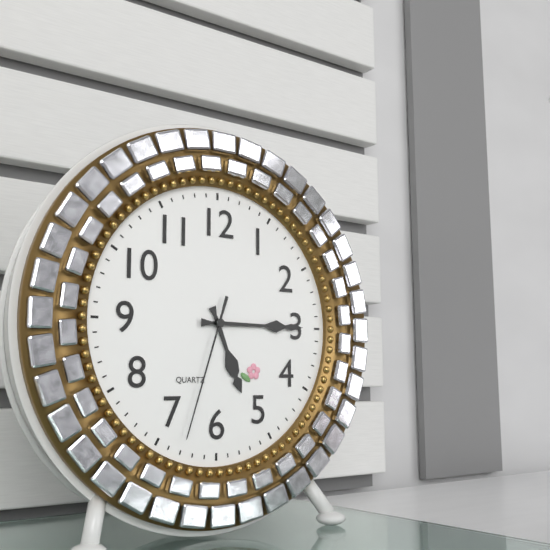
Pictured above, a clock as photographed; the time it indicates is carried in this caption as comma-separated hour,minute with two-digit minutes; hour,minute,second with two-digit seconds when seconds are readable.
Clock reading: 5,15,33
